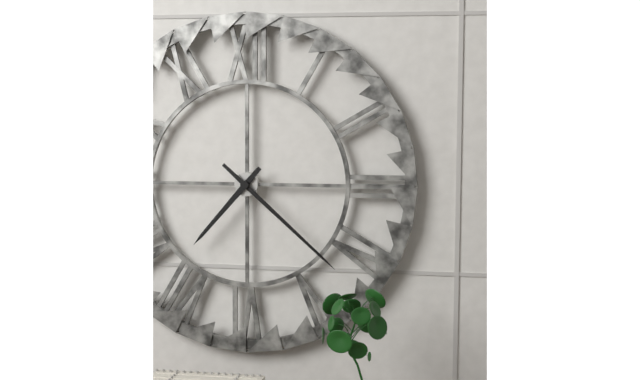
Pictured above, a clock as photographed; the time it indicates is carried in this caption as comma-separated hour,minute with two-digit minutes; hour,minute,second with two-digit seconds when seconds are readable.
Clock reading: 7,22
